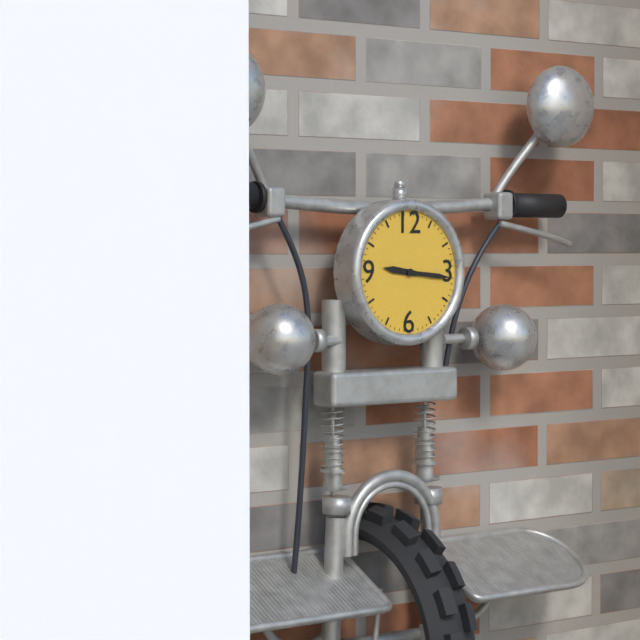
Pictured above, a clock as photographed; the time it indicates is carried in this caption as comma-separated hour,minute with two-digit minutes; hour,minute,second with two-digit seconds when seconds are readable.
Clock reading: 9,16
